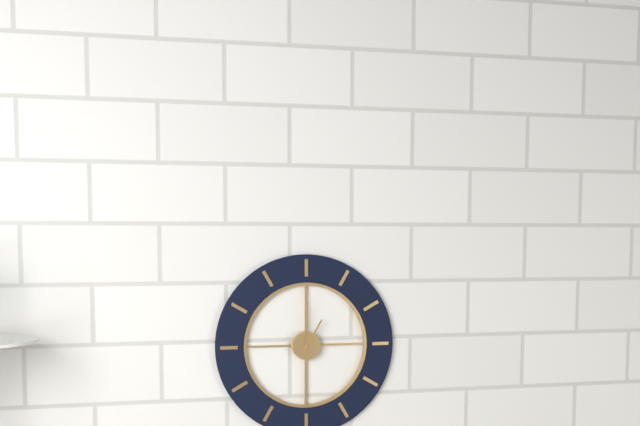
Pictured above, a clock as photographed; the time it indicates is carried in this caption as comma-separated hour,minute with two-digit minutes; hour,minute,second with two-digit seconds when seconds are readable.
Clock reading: 1,00
